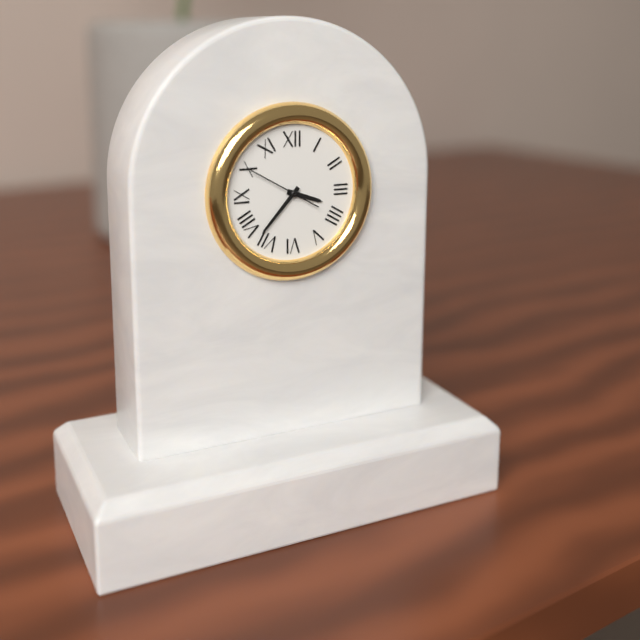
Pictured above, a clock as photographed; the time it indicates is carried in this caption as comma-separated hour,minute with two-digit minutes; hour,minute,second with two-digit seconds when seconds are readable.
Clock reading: 3,37,50
